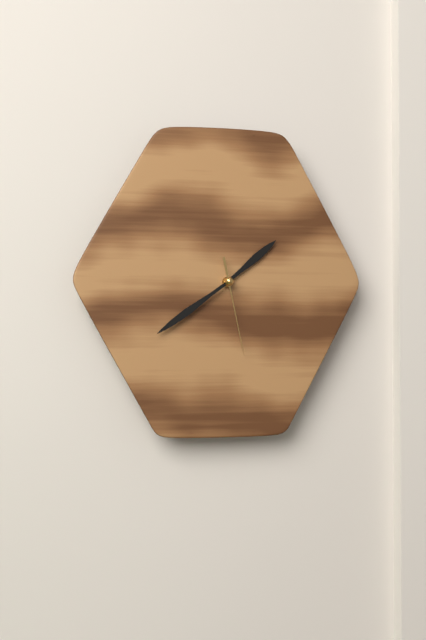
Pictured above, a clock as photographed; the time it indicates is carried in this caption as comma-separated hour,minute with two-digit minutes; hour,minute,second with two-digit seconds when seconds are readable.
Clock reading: 1,39,28
